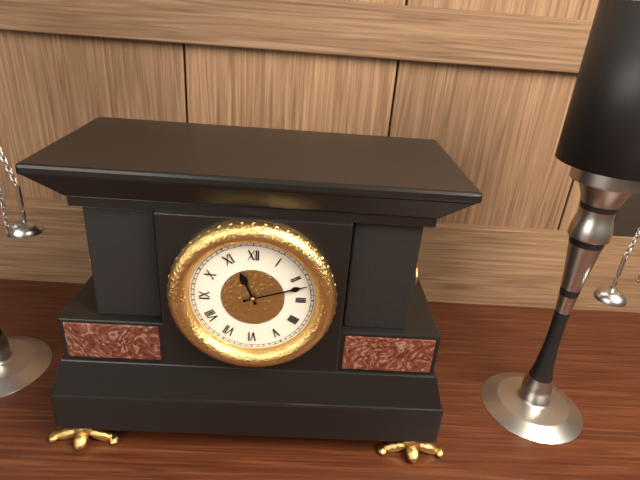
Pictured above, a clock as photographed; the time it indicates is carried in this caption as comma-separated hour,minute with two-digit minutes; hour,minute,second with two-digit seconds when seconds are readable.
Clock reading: 11,12
